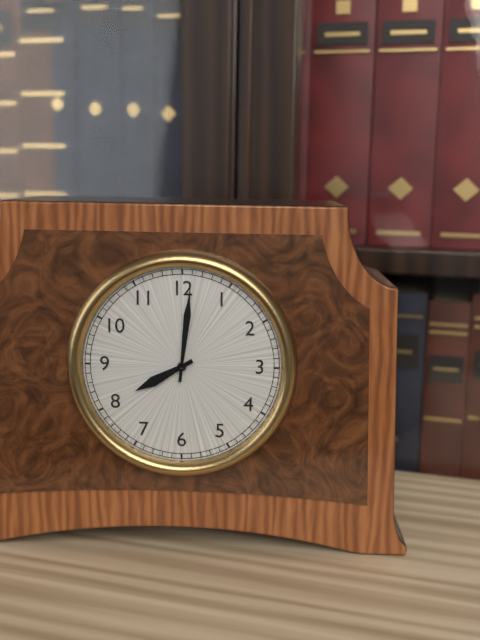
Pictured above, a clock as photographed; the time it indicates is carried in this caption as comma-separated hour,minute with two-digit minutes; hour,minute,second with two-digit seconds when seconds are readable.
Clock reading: 8,01
